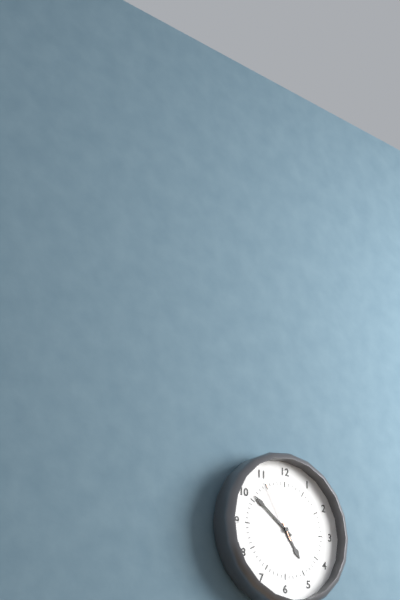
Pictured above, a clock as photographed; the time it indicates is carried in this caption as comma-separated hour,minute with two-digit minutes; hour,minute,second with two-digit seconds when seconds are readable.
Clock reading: 4,51,55
